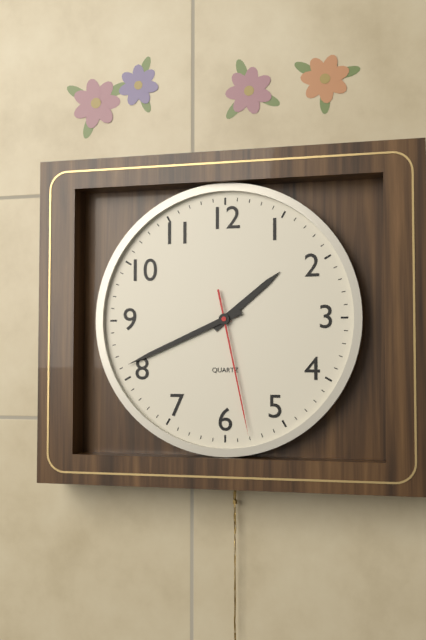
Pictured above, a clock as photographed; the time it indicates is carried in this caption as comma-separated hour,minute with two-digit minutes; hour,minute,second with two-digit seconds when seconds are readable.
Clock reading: 1,41,28
